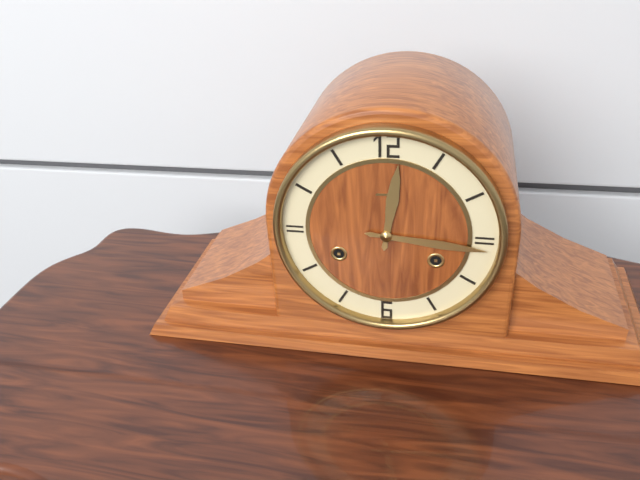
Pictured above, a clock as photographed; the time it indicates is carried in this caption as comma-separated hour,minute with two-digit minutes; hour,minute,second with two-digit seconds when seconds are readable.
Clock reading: 12,16
